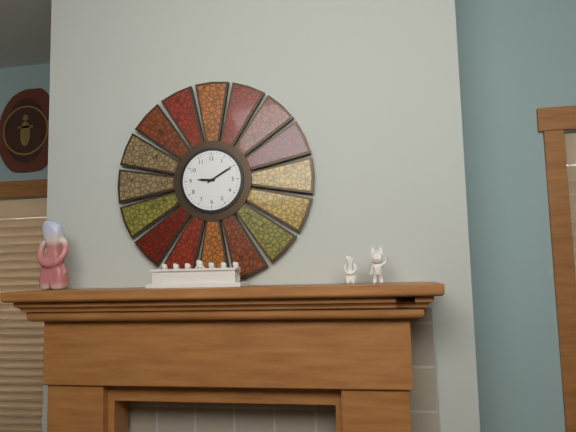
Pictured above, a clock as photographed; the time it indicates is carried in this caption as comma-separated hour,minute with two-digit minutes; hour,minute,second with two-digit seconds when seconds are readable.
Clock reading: 9,10
